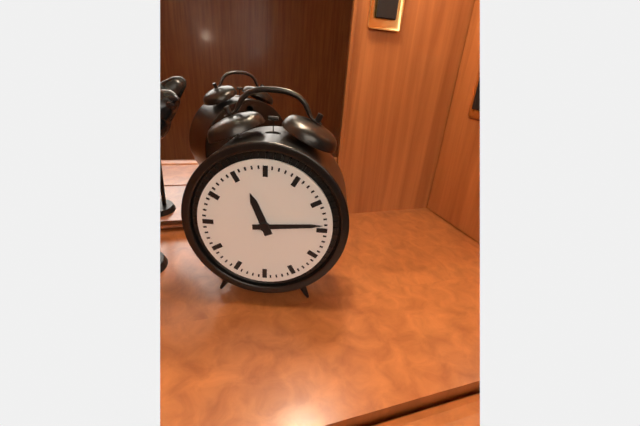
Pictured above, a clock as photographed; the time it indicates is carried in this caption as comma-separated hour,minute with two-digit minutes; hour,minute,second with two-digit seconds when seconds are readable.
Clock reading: 11,14
